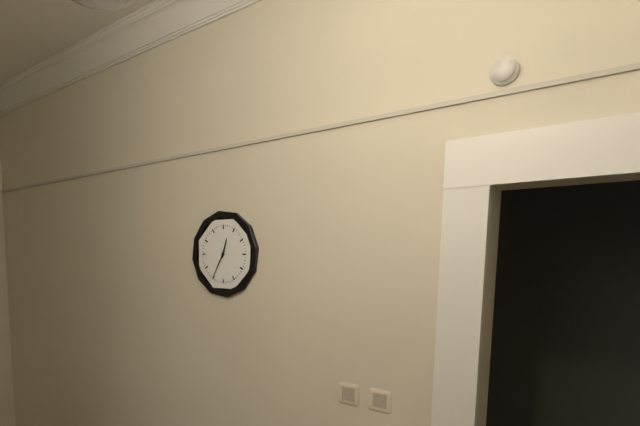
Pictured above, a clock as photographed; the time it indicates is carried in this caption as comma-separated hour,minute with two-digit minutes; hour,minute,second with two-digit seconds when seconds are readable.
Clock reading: 12,35
